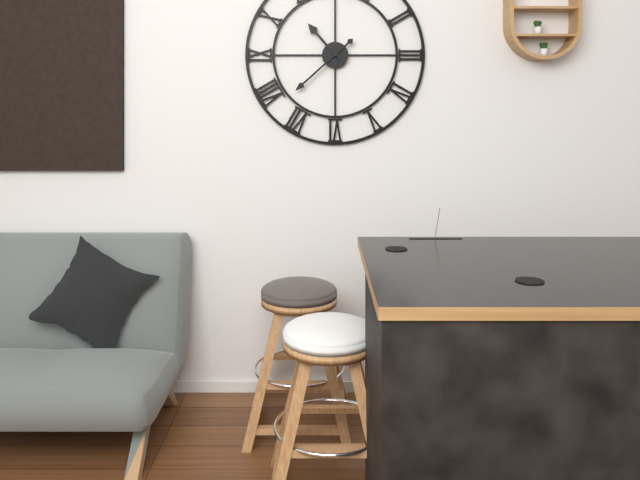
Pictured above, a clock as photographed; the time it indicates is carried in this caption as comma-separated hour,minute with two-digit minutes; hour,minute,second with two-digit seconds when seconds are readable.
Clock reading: 10,38
